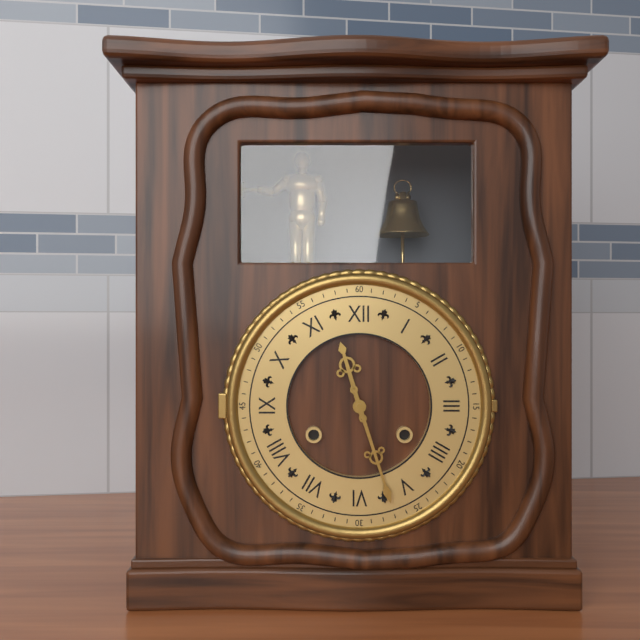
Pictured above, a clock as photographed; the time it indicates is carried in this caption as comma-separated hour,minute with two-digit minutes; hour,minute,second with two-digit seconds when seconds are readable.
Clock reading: 11,27
